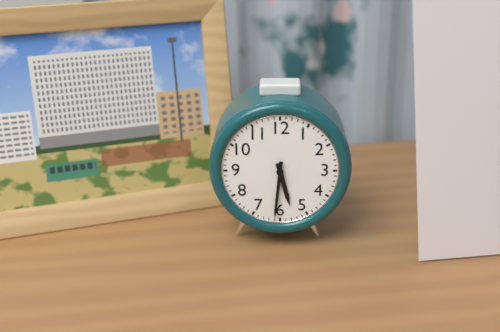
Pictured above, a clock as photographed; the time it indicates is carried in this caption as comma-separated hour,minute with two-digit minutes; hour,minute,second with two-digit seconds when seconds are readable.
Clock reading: 5,31
